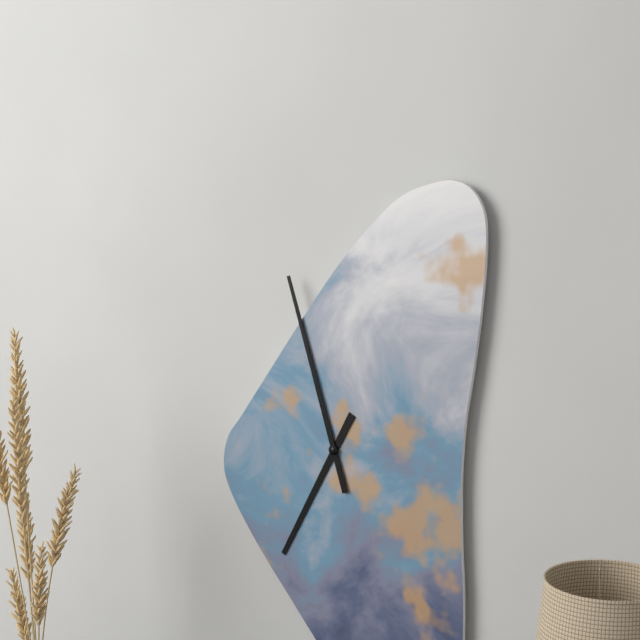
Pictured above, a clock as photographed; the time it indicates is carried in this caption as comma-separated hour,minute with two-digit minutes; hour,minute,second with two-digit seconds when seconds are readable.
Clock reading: 6,57
